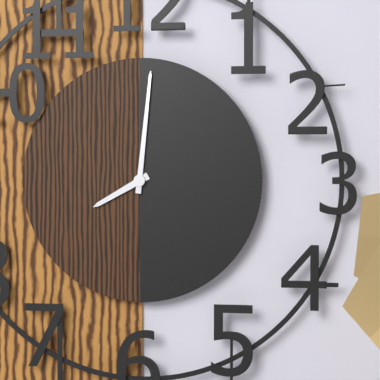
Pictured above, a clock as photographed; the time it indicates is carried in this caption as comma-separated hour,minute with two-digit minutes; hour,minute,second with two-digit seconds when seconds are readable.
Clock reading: 8,01
